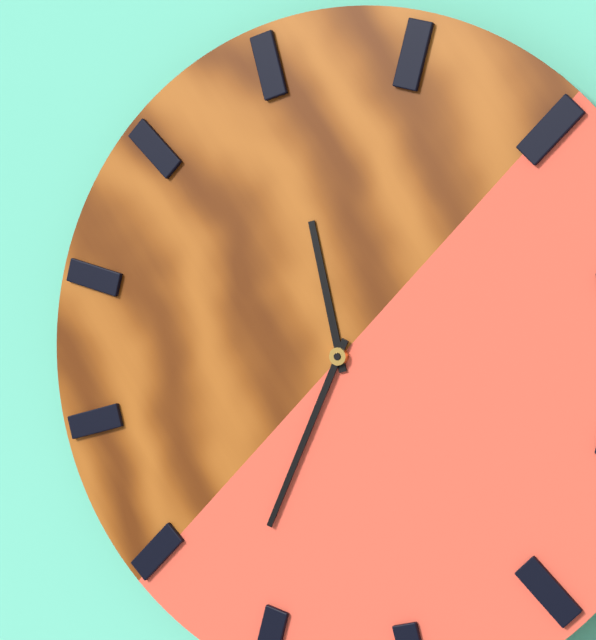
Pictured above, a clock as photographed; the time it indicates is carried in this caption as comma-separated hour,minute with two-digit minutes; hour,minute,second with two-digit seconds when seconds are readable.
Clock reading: 11,34
